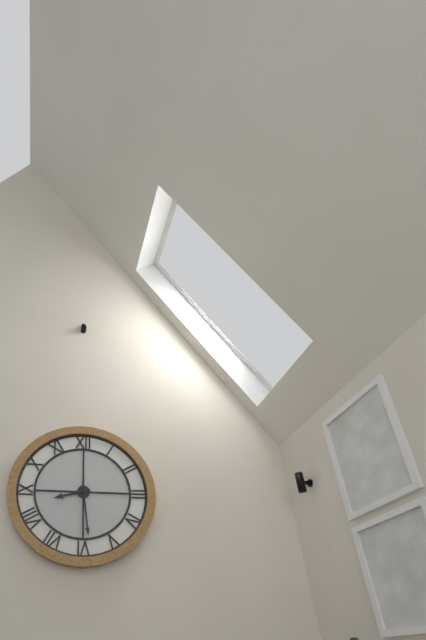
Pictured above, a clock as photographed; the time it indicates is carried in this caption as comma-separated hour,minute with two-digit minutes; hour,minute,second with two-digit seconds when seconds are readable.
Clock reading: 8,29
